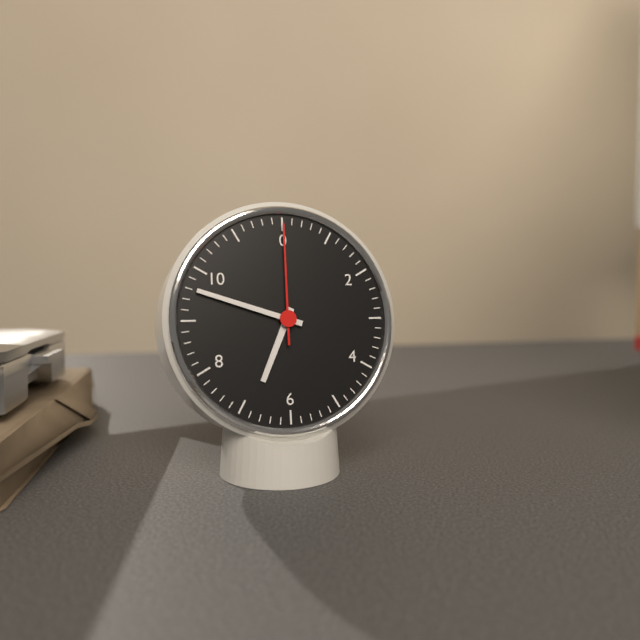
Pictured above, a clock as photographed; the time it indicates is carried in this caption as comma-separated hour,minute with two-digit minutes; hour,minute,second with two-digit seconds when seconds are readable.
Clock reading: 6,48,00
